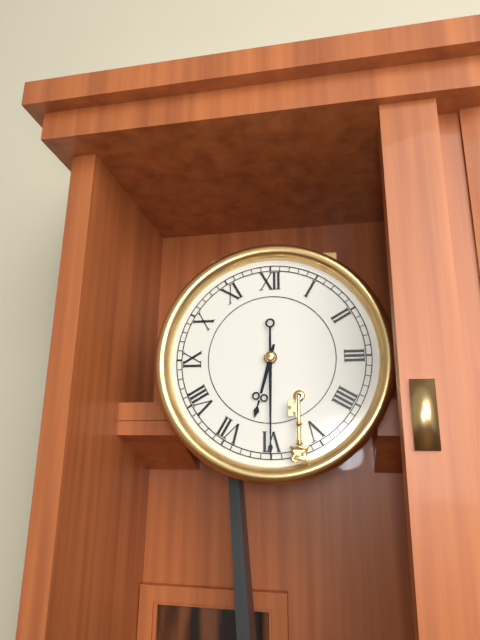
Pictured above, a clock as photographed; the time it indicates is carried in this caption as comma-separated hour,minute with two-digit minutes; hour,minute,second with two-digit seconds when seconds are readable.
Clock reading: 6,30
